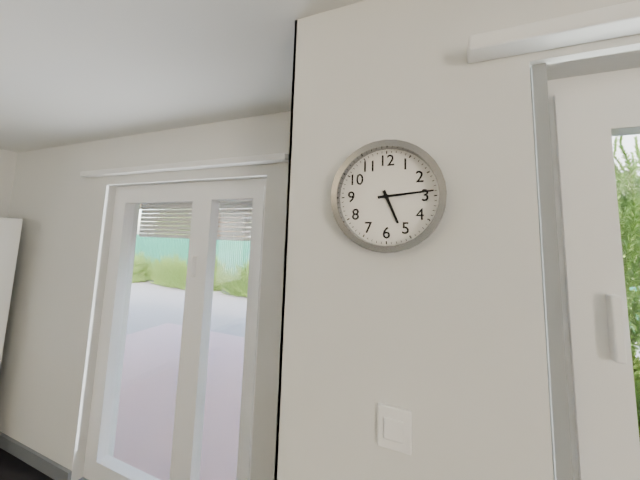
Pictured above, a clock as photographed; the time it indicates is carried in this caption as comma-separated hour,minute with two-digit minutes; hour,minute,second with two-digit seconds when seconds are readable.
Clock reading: 5,14
